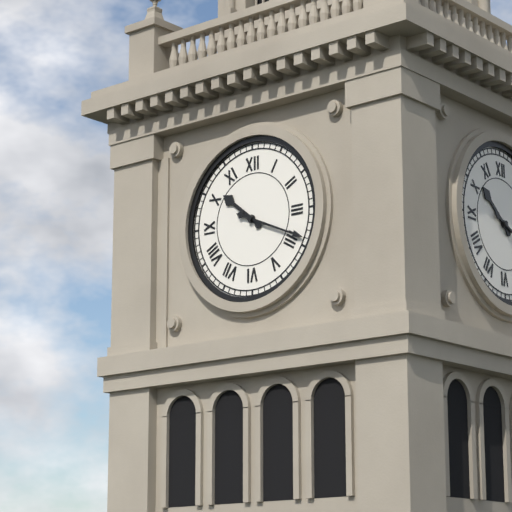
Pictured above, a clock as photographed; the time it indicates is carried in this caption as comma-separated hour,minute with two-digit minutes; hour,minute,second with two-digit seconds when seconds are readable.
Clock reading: 10,19
